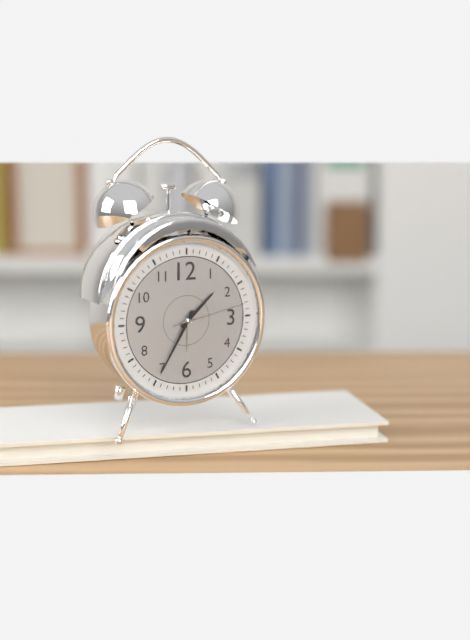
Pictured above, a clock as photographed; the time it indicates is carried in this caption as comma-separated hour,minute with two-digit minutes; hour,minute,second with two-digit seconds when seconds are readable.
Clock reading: 1,35,13
